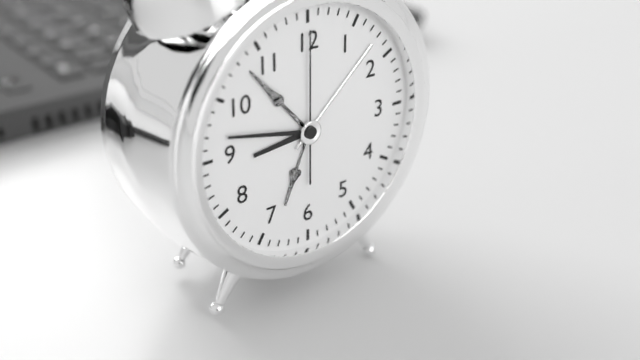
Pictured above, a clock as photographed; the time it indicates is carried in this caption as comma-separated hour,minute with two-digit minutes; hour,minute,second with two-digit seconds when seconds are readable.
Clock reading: 8,47,00
